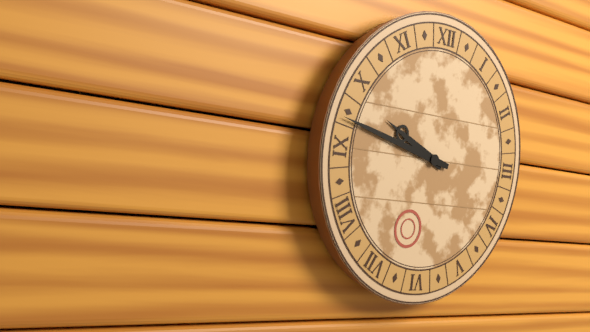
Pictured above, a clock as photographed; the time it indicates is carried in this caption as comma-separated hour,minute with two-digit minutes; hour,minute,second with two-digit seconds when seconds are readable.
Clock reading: 9,47
